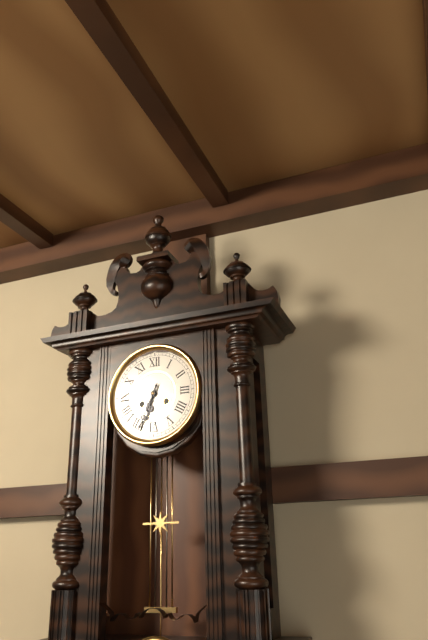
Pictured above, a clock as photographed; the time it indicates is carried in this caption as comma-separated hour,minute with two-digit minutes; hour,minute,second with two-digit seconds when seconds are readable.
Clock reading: 6,34
